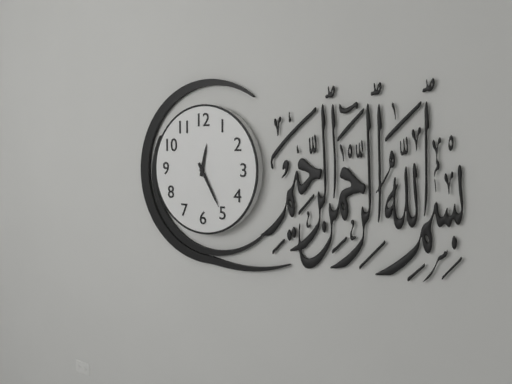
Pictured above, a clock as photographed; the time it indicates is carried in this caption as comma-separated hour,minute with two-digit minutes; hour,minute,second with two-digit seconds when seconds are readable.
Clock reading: 12,25
